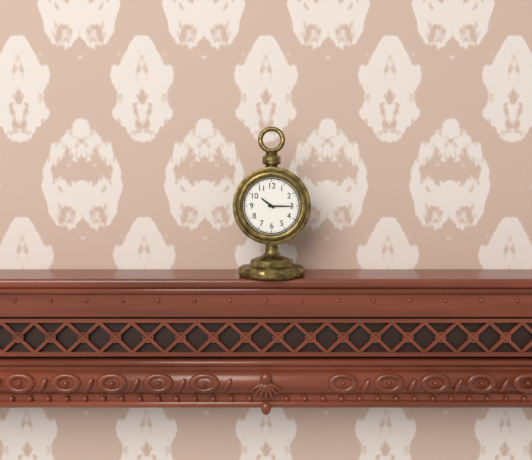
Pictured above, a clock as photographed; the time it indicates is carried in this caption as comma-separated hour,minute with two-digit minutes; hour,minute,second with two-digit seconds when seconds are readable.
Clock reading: 10,15
